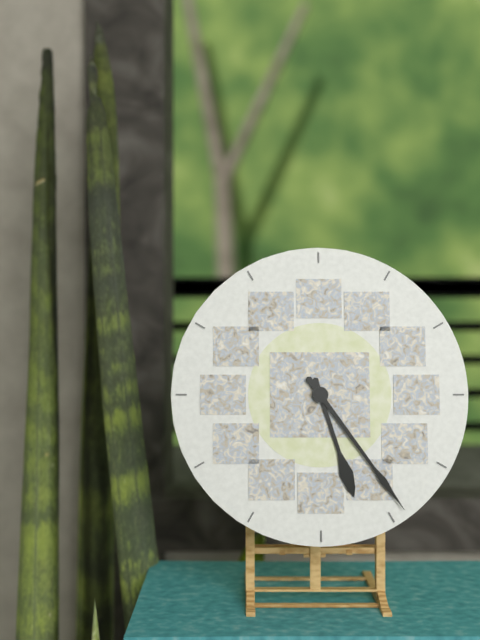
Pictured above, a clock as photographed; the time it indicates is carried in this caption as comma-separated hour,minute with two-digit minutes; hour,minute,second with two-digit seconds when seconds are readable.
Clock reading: 5,24
